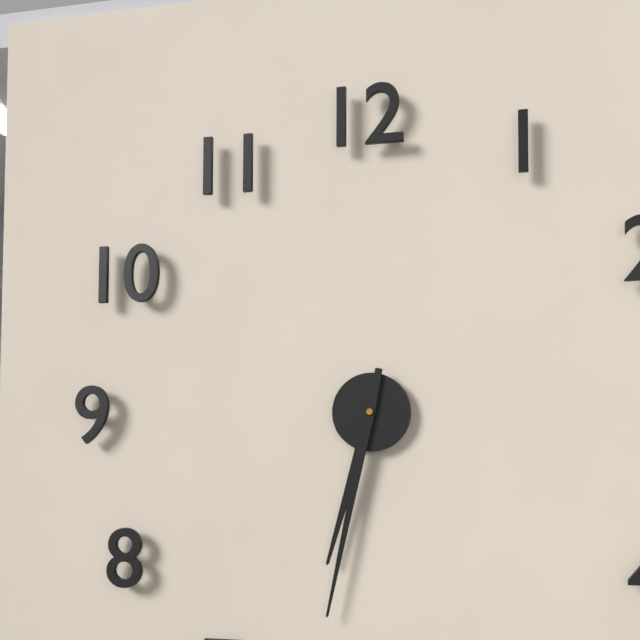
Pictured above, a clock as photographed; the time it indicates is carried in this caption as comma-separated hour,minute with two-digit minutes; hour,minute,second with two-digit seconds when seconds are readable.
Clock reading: 6,32
